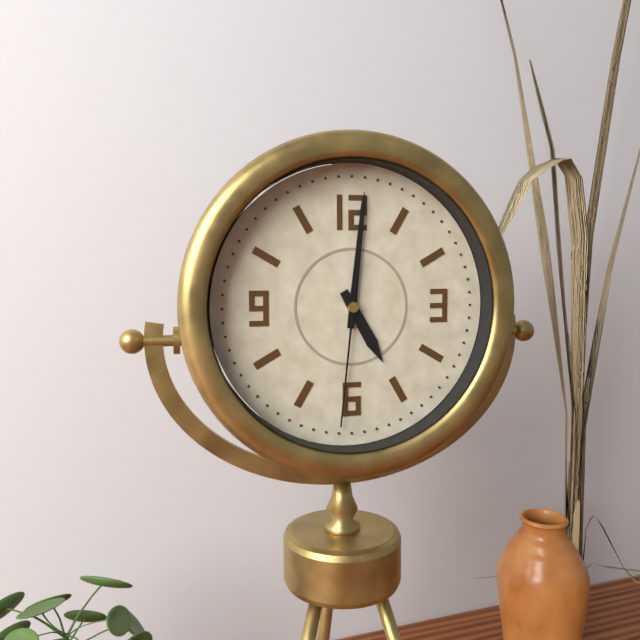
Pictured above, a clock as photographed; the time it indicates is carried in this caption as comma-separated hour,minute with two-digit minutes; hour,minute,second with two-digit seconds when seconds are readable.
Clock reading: 5,01,31
